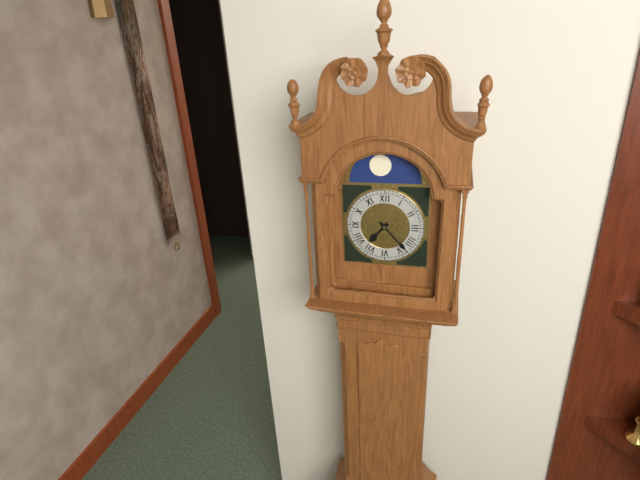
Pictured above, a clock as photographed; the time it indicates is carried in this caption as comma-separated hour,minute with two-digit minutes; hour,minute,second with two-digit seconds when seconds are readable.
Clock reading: 7,23
